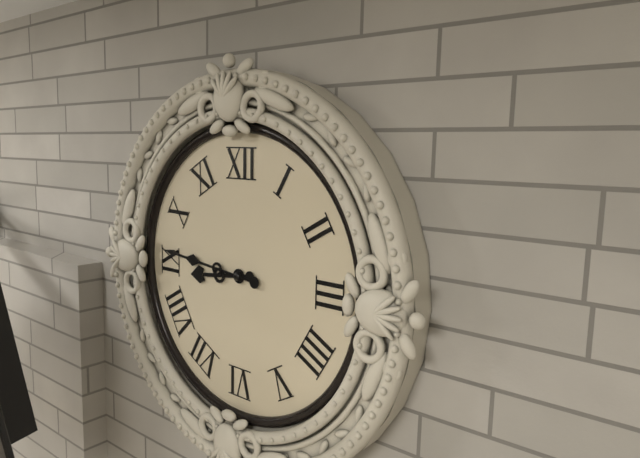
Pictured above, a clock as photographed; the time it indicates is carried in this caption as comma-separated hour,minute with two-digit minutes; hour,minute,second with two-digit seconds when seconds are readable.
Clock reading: 8,46
